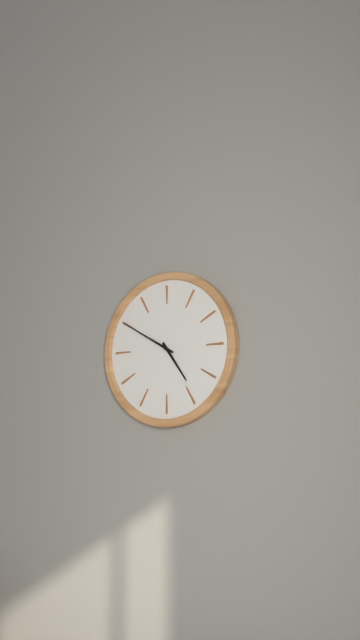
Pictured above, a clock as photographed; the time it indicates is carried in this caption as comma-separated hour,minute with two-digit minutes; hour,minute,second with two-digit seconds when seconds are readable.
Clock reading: 4,50
